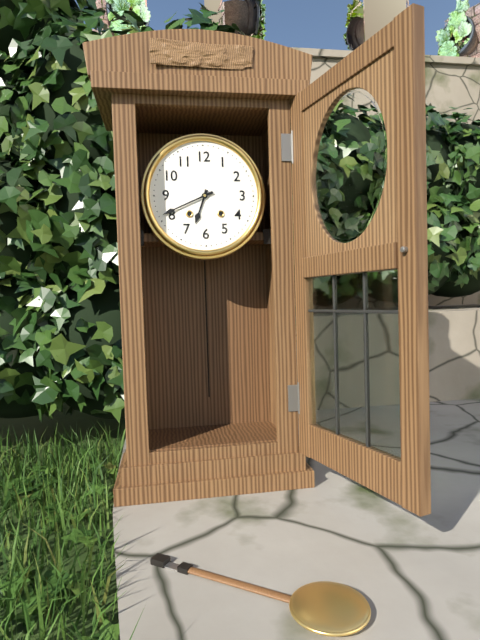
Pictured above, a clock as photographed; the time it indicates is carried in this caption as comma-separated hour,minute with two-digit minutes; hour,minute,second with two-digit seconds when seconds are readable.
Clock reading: 6,41
